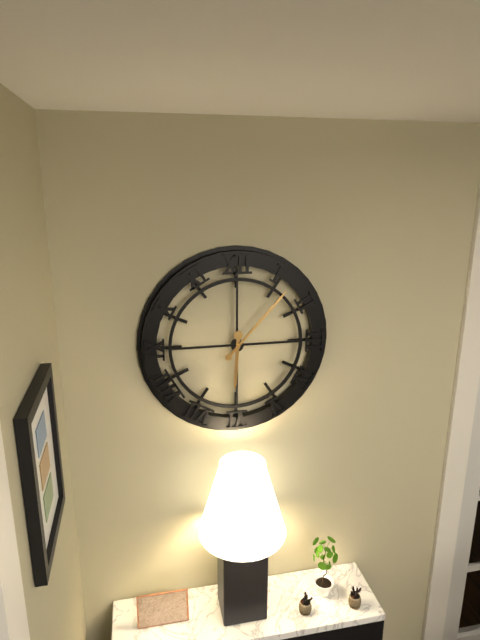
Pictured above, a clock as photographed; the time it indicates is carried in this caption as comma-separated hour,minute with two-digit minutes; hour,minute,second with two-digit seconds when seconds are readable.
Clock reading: 6,07
